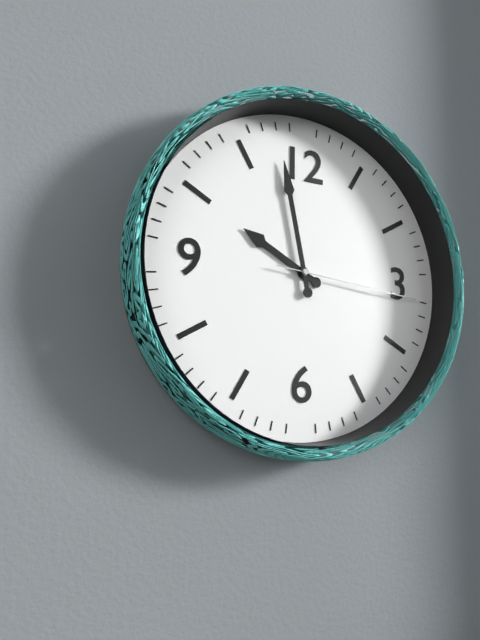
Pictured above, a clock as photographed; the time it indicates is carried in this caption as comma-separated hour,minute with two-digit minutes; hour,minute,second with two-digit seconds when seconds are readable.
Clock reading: 9,58,16
